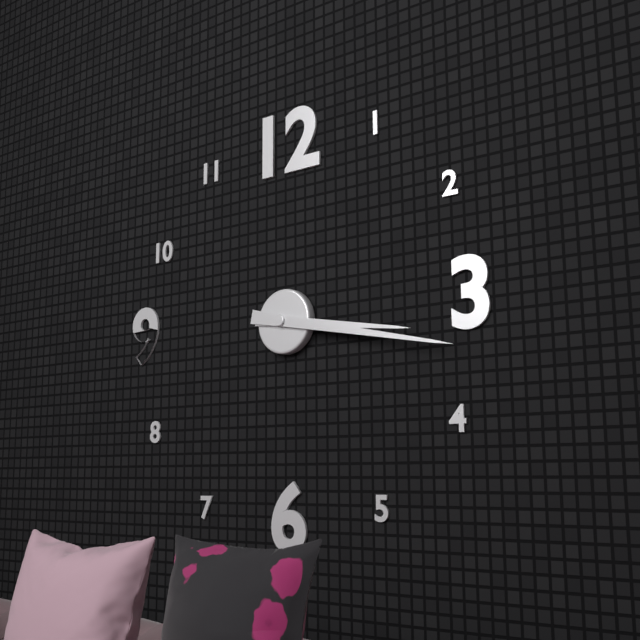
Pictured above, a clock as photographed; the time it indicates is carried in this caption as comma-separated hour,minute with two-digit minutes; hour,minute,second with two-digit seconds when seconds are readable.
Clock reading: 3,17
